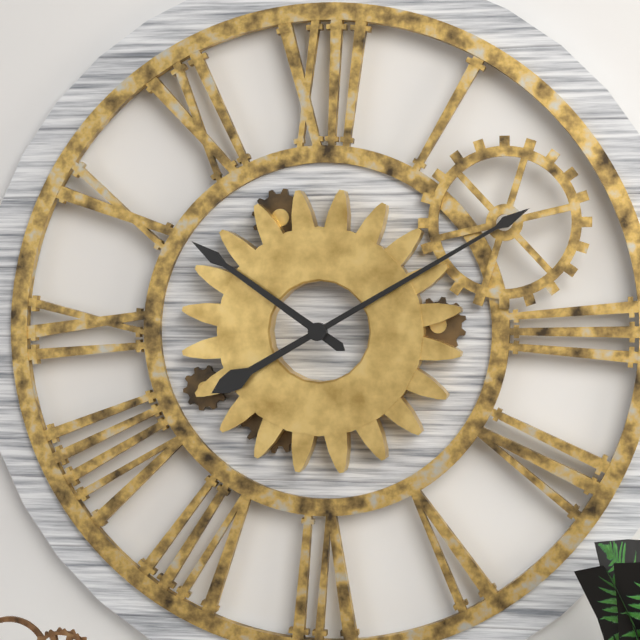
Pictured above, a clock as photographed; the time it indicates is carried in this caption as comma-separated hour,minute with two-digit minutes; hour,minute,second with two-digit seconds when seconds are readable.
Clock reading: 10,10
